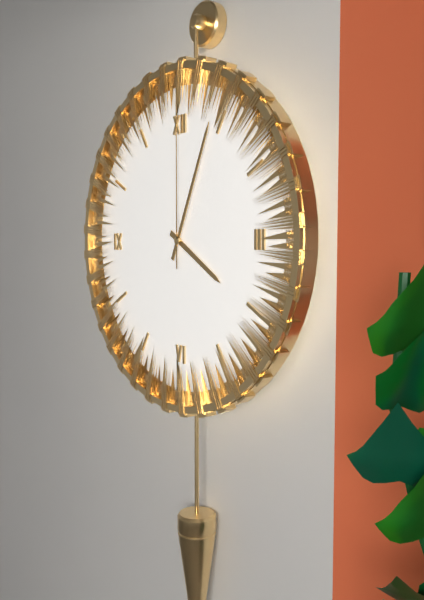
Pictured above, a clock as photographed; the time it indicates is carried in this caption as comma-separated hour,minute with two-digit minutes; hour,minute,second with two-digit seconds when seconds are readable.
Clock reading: 4,04,00
